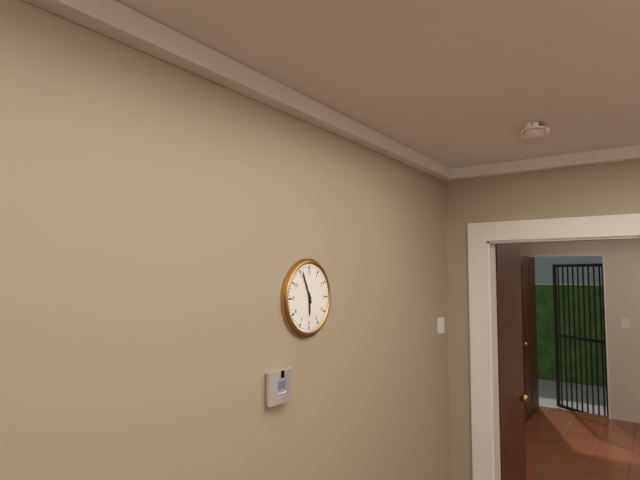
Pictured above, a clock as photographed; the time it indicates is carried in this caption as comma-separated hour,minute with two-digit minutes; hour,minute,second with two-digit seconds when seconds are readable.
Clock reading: 5,56
